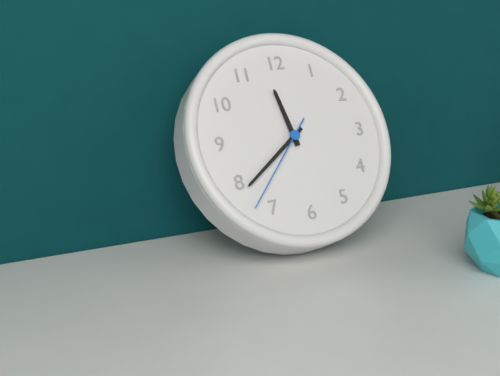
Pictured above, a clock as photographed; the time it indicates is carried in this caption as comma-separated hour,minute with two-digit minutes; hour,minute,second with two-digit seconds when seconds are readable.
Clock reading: 11,39,37
